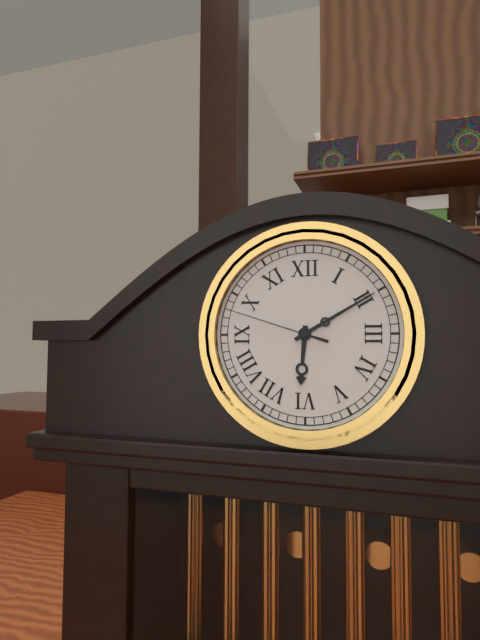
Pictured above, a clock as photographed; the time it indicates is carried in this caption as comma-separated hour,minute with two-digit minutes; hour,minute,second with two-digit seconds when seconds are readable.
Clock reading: 6,10,48
